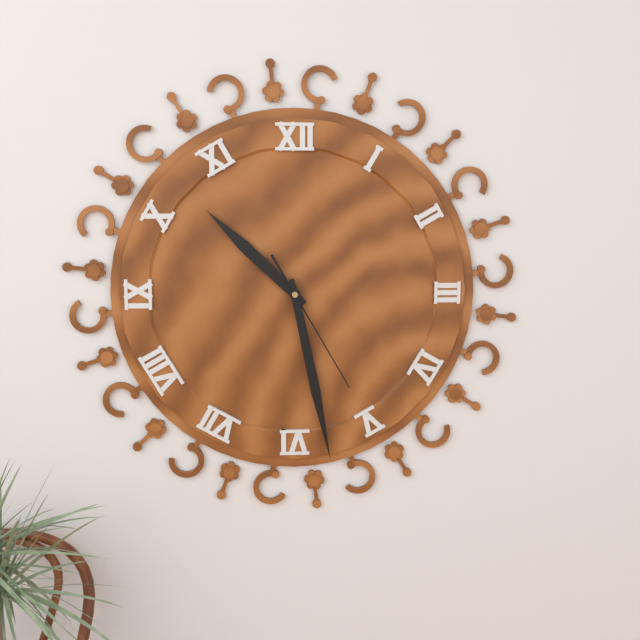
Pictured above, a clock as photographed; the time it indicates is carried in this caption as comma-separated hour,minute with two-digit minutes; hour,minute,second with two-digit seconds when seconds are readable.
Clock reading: 10,28,25
